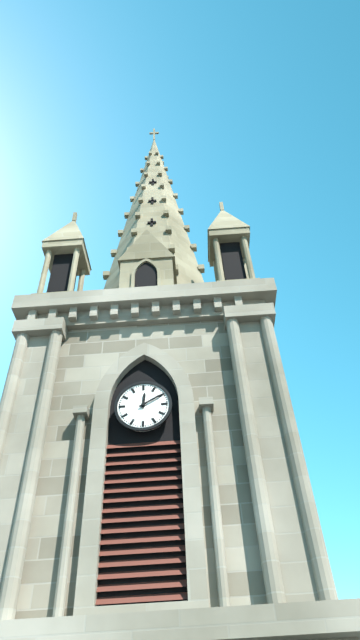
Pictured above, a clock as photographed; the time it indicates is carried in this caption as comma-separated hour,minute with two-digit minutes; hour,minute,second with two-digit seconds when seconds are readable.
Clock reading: 12,10
